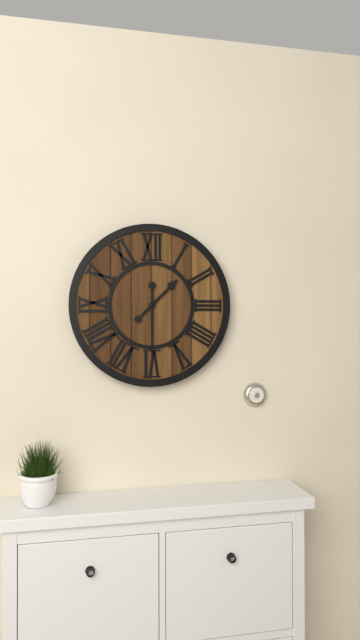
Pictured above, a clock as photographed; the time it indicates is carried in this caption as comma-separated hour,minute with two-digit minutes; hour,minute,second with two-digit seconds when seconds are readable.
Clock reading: 1,30
